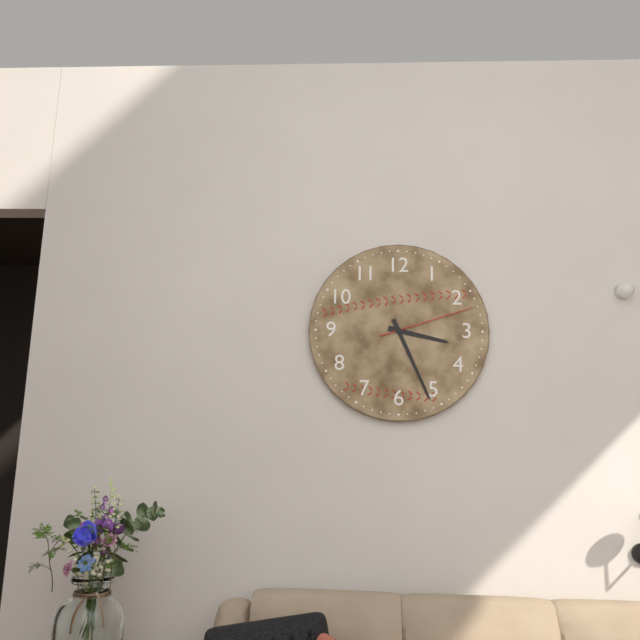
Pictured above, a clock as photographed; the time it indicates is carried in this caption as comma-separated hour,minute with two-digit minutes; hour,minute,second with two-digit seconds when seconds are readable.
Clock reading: 3,26,12
